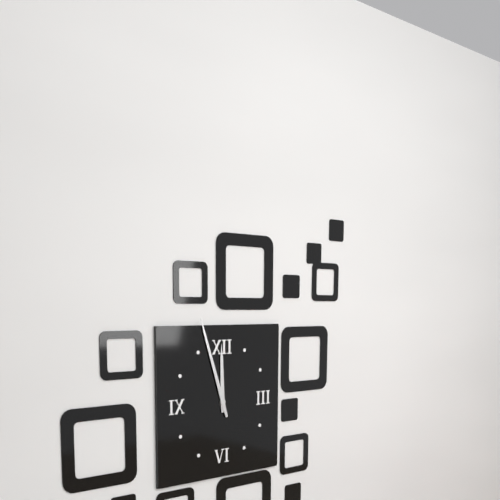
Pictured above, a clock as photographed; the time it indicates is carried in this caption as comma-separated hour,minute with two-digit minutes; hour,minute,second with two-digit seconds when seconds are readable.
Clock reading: 11,57
